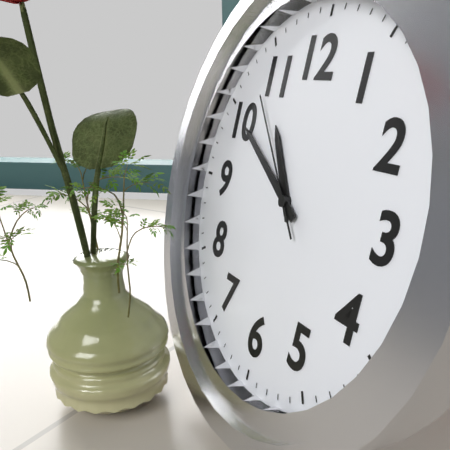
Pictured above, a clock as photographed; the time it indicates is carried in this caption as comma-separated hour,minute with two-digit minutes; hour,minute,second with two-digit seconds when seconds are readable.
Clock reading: 10,50,53
